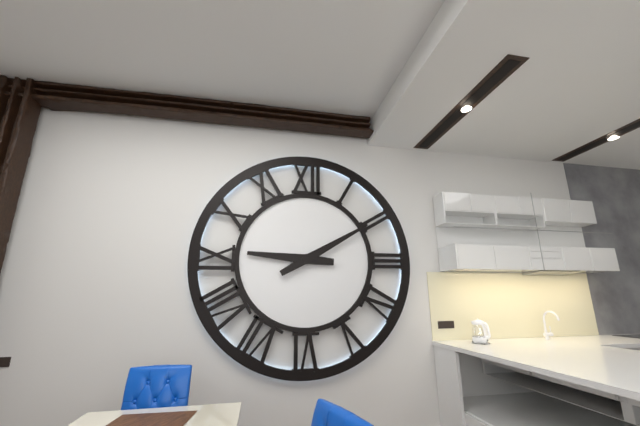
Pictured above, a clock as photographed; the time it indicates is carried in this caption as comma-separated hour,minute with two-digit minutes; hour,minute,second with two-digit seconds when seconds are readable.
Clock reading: 9,10
